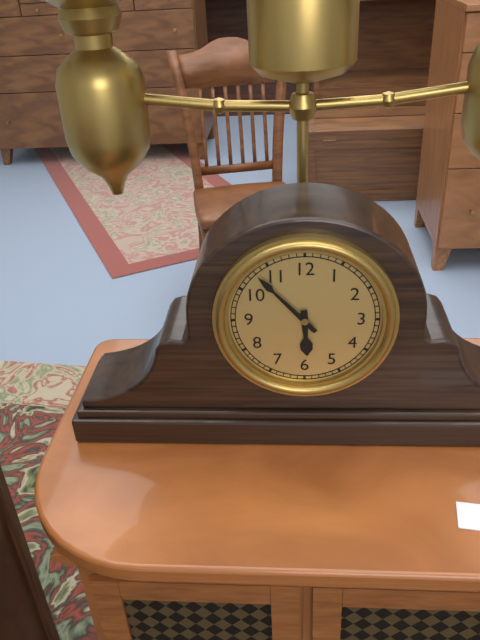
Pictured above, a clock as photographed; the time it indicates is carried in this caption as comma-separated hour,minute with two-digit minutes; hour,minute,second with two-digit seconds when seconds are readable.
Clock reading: 5,53
